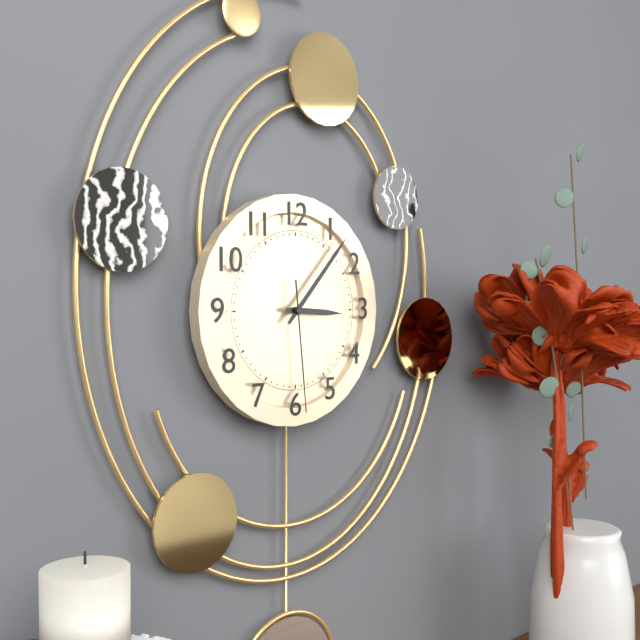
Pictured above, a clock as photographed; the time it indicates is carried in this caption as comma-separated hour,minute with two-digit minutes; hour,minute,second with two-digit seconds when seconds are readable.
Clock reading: 3,07,29
